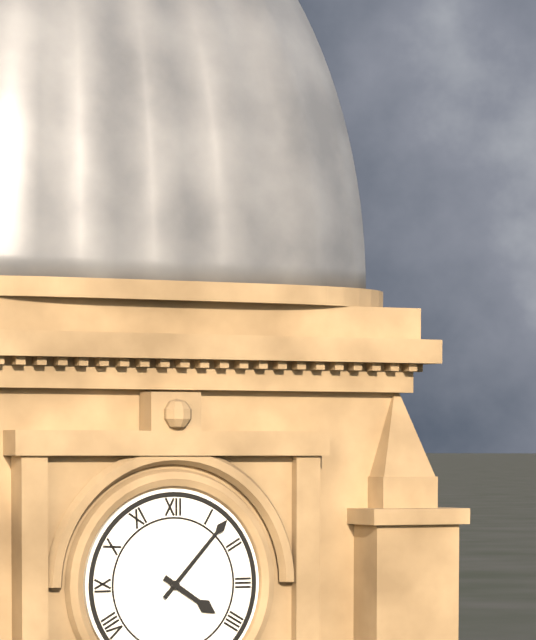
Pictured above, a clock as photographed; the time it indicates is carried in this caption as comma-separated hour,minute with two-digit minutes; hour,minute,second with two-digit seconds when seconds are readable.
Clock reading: 4,07
